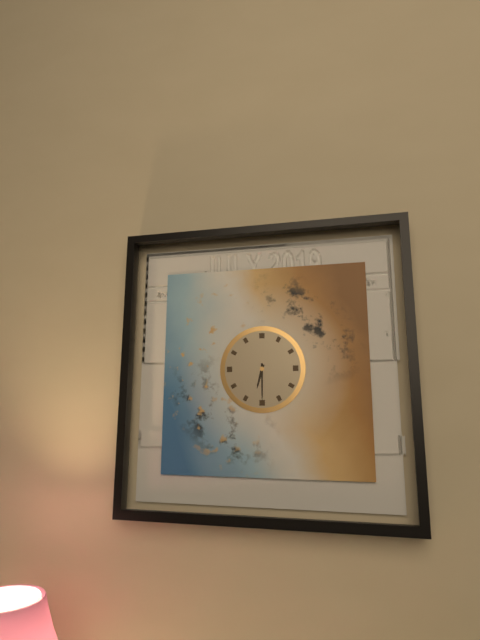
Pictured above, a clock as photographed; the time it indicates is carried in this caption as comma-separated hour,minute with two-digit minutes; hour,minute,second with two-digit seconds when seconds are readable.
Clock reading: 6,30
